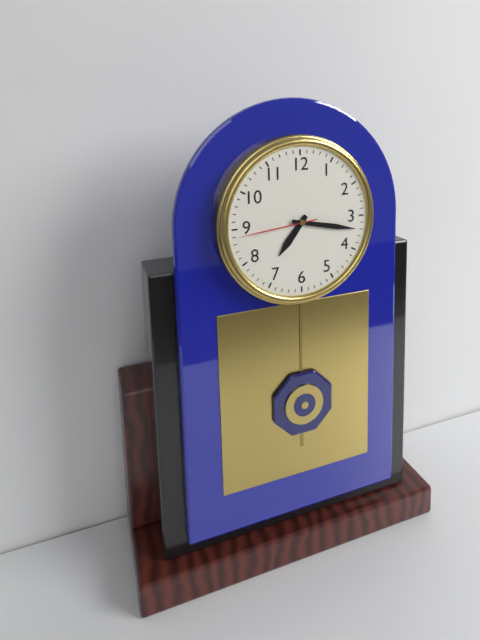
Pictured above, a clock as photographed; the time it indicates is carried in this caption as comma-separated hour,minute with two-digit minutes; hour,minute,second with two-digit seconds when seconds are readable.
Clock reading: 7,17,44
